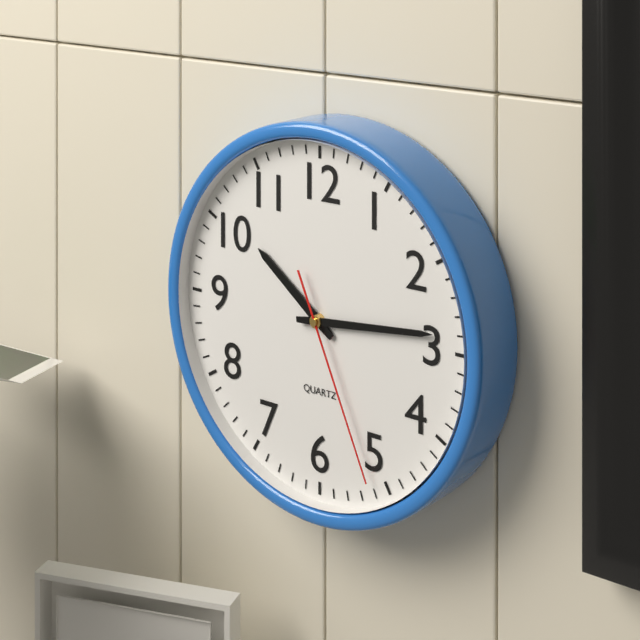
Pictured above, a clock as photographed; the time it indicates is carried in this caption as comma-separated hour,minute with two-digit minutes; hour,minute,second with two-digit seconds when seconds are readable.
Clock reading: 10,14,26
